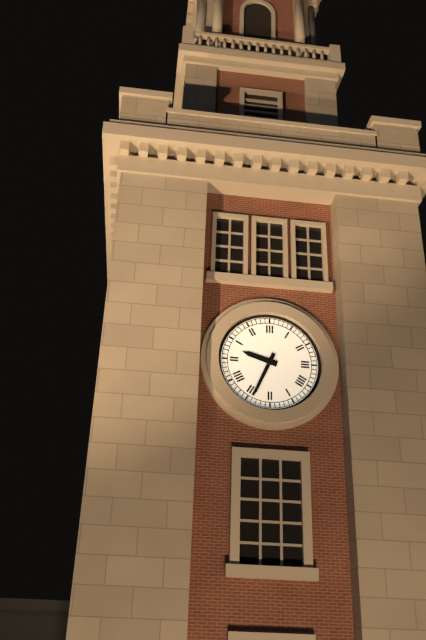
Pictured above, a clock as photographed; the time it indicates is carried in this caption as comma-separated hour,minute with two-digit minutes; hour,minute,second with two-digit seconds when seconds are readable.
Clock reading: 9,34
